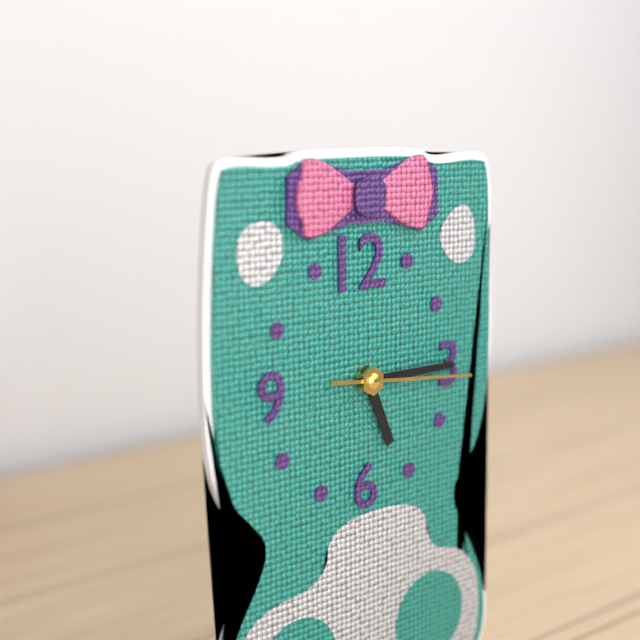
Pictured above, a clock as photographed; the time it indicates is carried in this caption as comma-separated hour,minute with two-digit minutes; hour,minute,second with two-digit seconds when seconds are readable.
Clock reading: 5,15,16
